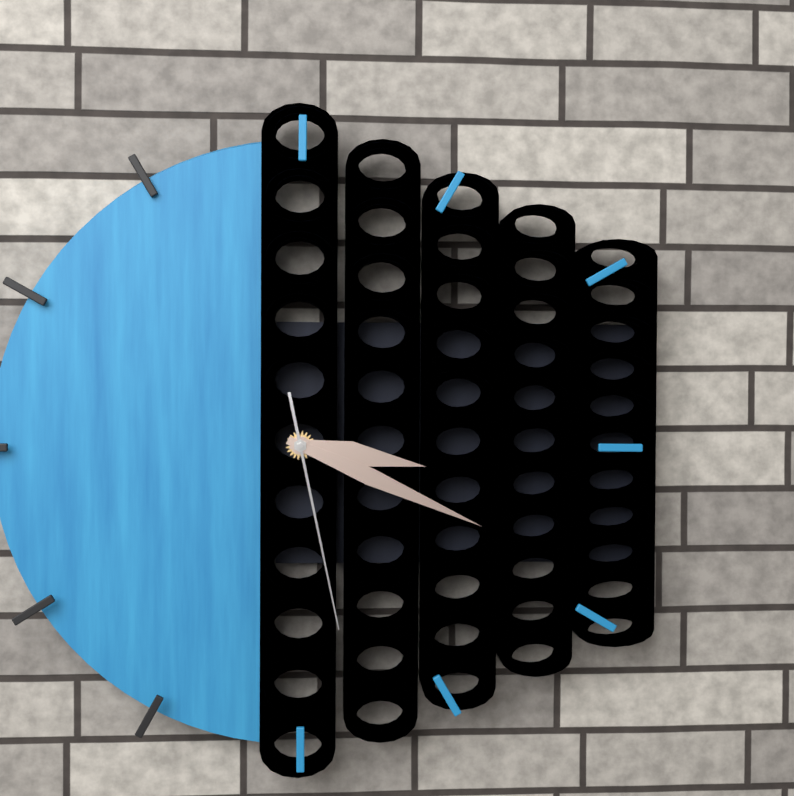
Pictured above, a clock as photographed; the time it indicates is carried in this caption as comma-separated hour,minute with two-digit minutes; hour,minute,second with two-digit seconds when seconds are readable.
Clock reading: 3,19,28
